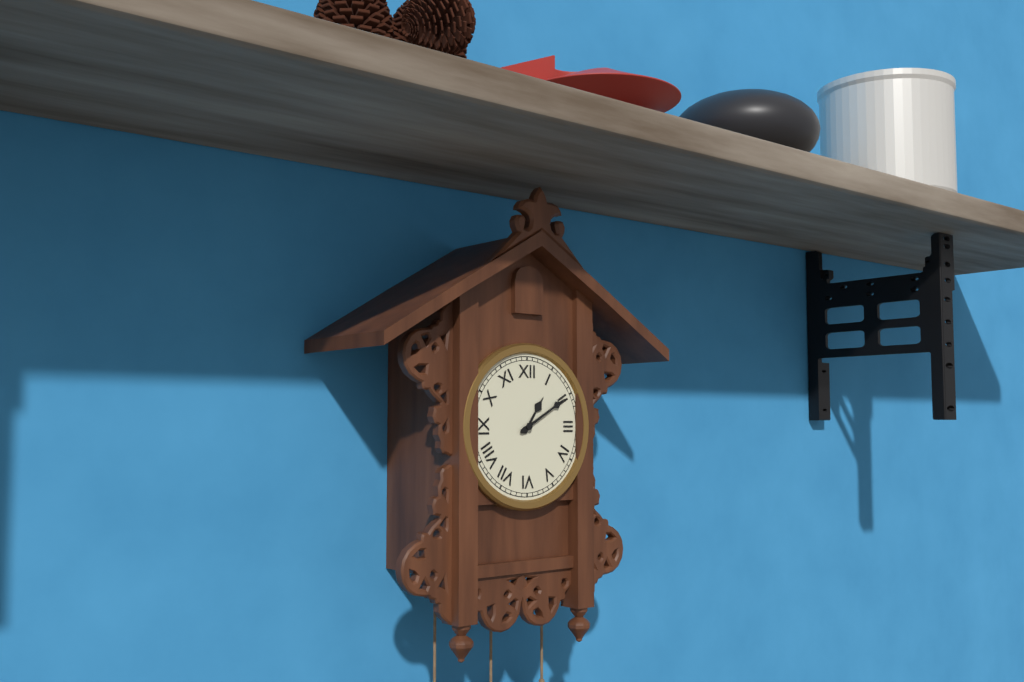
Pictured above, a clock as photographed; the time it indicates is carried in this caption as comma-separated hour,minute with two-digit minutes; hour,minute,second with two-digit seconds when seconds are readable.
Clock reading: 1,10
